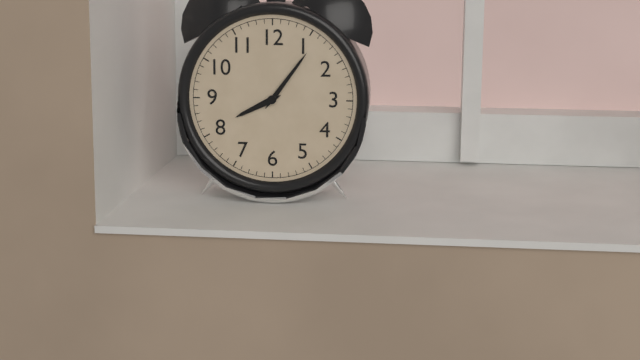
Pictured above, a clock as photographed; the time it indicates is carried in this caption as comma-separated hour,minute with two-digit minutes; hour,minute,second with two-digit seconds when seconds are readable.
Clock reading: 8,06
